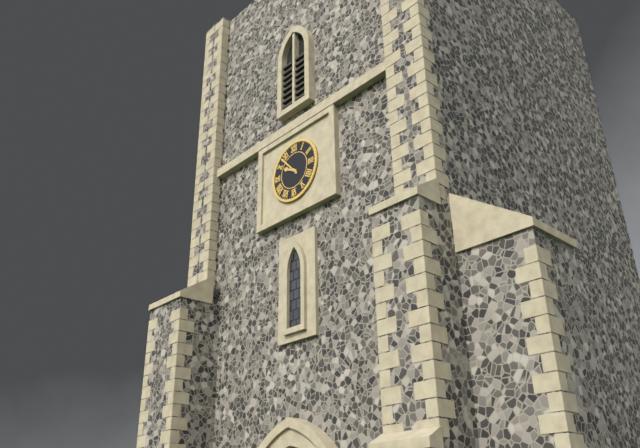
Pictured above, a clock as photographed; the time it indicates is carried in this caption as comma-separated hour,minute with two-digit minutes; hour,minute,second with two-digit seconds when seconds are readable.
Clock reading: 9,53
